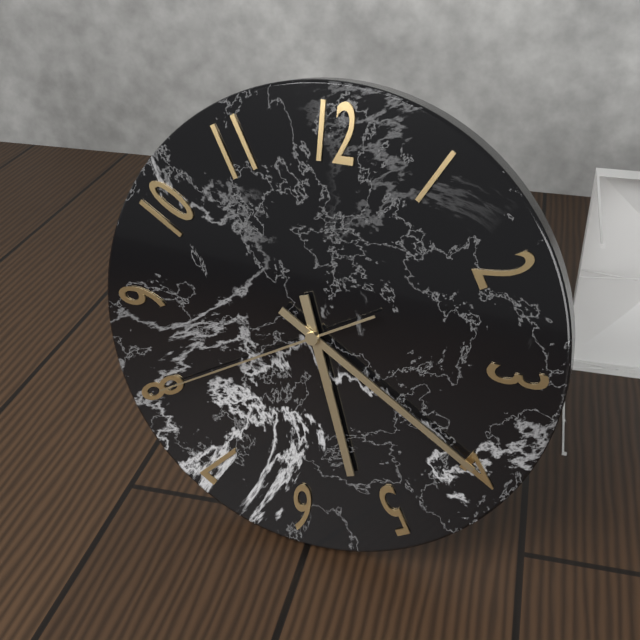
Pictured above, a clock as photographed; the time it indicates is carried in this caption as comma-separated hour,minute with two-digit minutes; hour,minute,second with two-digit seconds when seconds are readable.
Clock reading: 5,20,40
